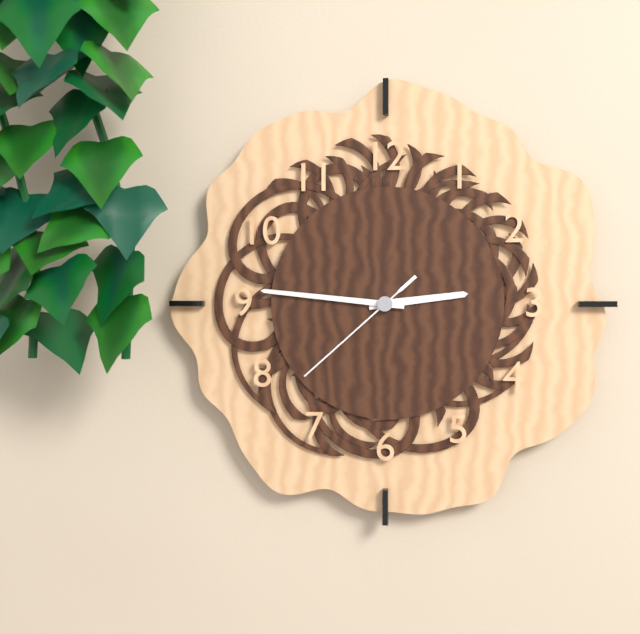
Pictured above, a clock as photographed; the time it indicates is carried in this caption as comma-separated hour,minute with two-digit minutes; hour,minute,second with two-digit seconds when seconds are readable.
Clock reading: 2,46,38
